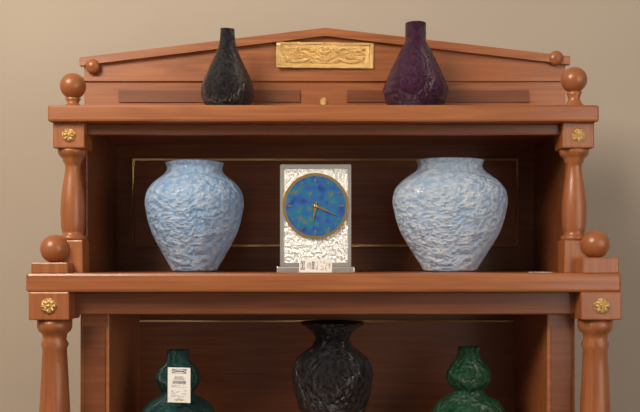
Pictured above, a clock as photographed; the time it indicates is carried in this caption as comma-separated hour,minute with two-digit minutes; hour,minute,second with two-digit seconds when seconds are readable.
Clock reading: 6,19
